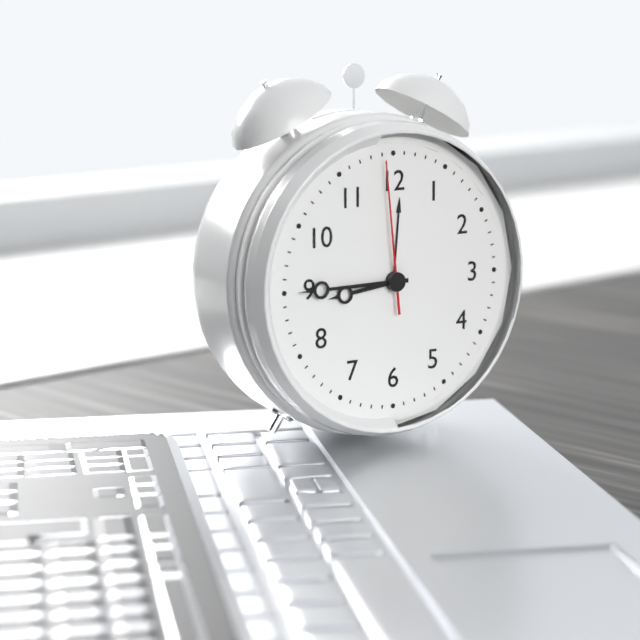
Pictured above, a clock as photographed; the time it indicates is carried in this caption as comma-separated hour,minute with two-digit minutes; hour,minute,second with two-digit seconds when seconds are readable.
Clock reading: 8,45,59
